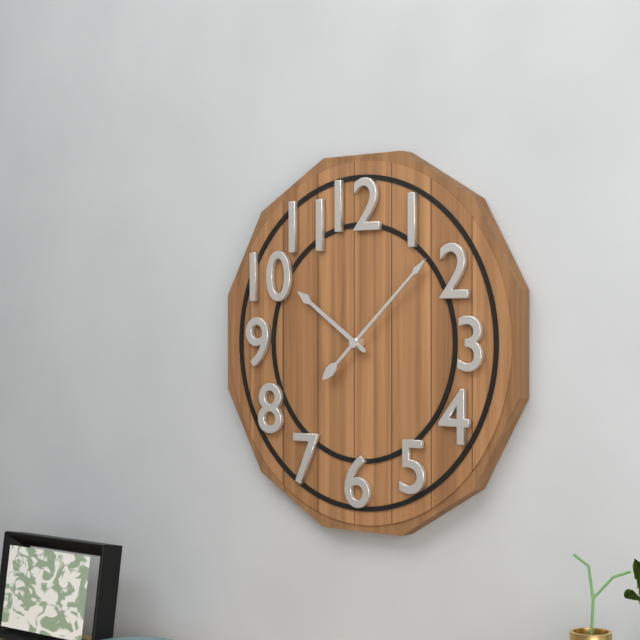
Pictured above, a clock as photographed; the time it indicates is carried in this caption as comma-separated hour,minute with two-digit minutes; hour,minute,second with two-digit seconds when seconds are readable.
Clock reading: 10,08
